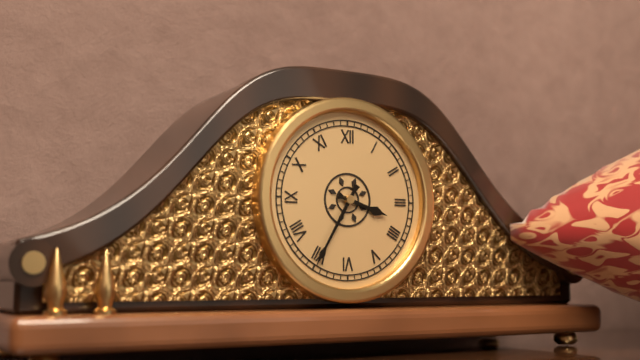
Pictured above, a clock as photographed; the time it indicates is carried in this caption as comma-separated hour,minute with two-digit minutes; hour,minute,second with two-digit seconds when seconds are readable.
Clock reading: 3,35
